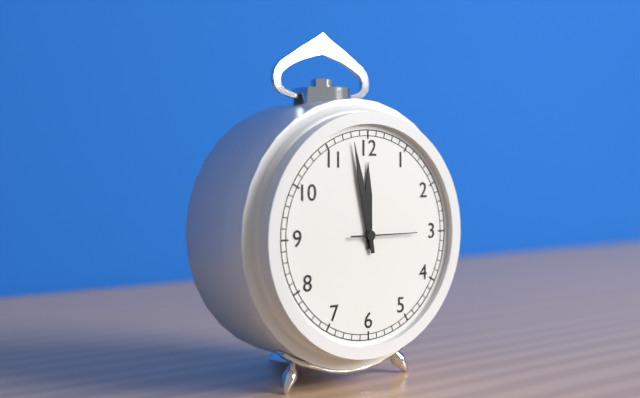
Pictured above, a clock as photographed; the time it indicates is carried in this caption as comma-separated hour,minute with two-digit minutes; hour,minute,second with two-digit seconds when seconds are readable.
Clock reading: 11,58,15
